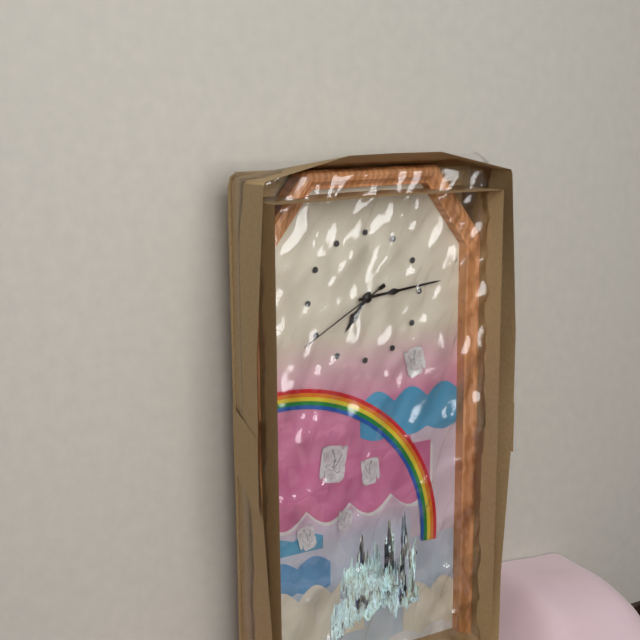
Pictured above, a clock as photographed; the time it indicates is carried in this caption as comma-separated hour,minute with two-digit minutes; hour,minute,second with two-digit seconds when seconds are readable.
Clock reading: 7,14,40
